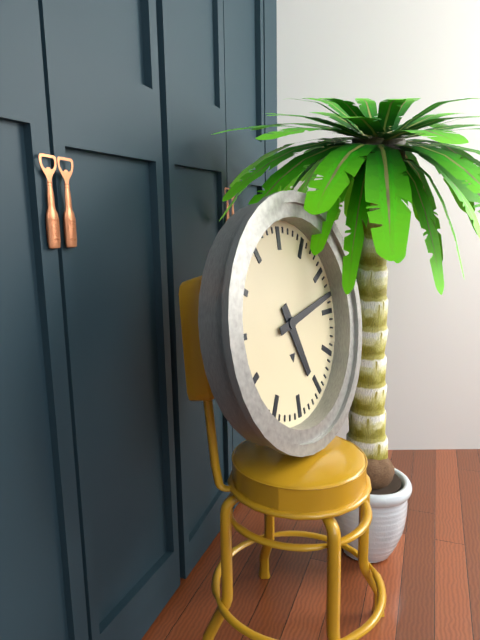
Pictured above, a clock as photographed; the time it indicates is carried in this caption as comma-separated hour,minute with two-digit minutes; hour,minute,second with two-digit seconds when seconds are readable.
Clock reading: 5,13
